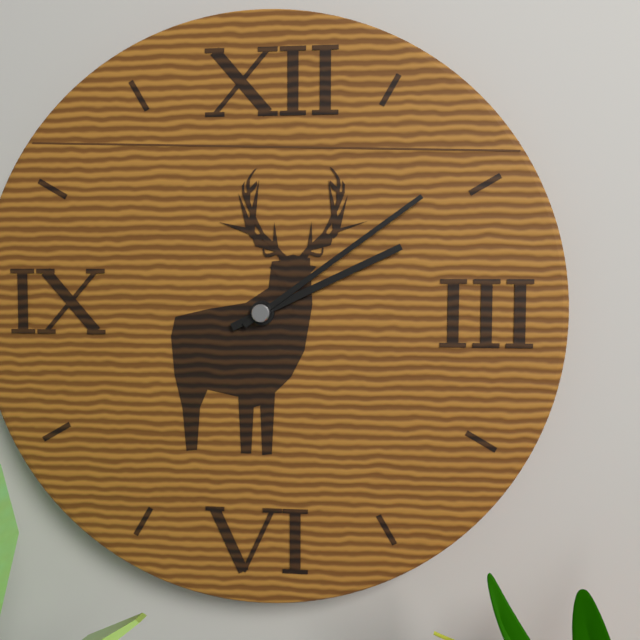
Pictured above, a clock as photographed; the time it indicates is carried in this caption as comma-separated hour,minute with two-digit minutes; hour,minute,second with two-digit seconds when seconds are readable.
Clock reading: 2,09
